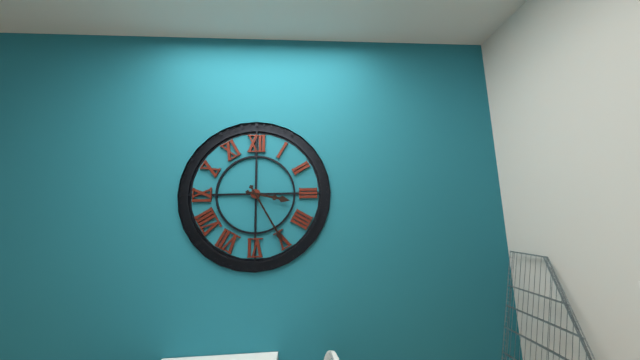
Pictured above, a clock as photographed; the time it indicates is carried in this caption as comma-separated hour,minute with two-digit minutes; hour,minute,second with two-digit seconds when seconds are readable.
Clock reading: 3,25
